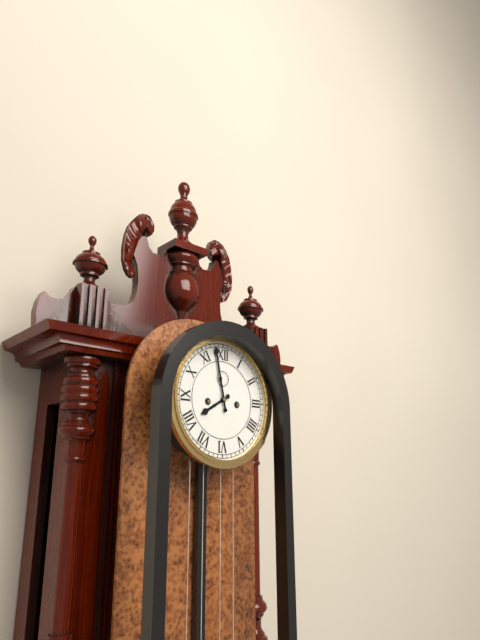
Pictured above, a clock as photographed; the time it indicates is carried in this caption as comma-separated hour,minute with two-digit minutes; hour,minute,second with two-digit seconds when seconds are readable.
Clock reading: 7,58
